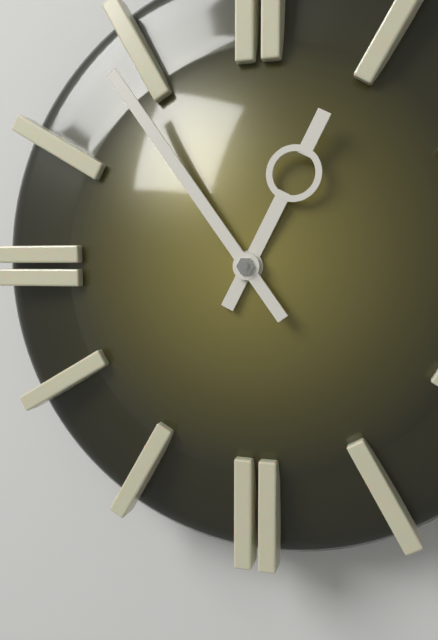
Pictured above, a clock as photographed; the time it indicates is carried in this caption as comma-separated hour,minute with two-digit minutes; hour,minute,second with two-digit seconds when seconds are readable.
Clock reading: 12,54
